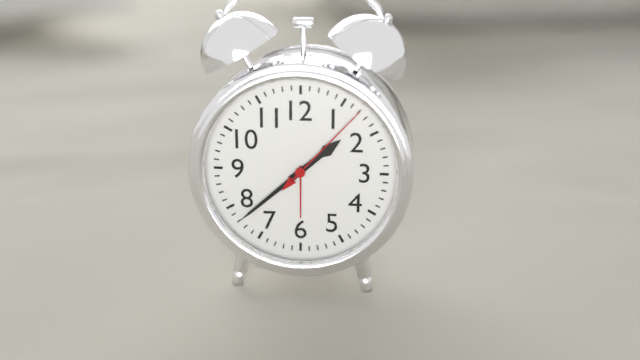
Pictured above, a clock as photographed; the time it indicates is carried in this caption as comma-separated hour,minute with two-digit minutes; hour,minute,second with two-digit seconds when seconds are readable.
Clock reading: 1,38,07
